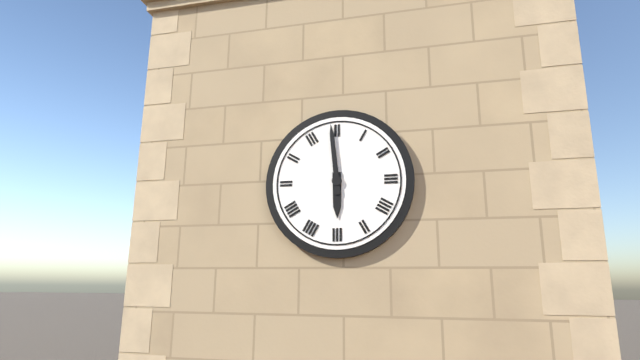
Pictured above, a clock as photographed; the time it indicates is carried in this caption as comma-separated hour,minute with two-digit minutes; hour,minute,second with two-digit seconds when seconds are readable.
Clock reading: 5,59
